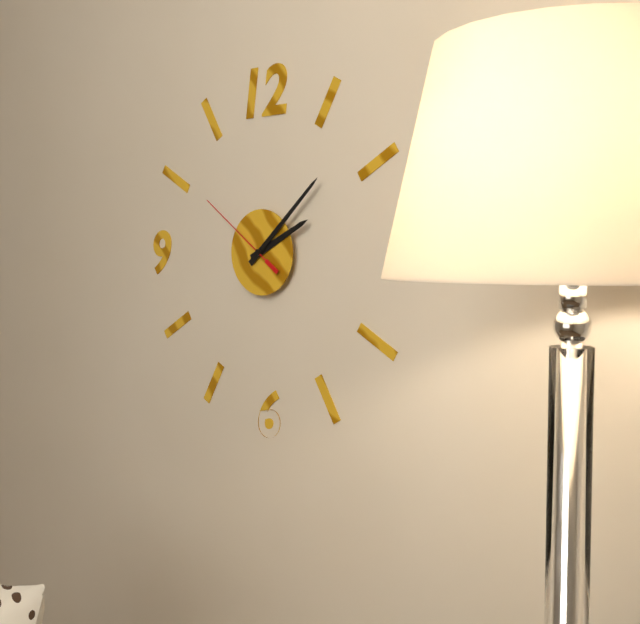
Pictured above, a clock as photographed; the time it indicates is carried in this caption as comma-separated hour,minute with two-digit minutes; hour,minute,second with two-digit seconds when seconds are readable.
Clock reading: 2,08,51
